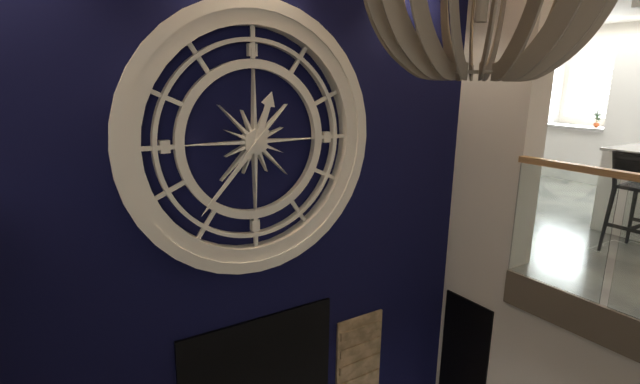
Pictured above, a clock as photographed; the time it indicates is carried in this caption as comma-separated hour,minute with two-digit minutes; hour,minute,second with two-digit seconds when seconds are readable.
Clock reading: 12,37
